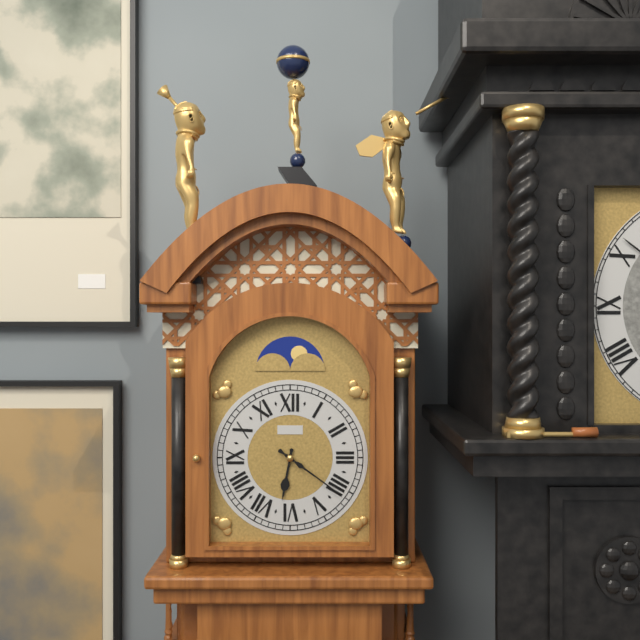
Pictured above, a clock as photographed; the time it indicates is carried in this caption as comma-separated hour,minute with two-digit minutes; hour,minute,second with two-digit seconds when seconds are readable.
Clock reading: 6,21
